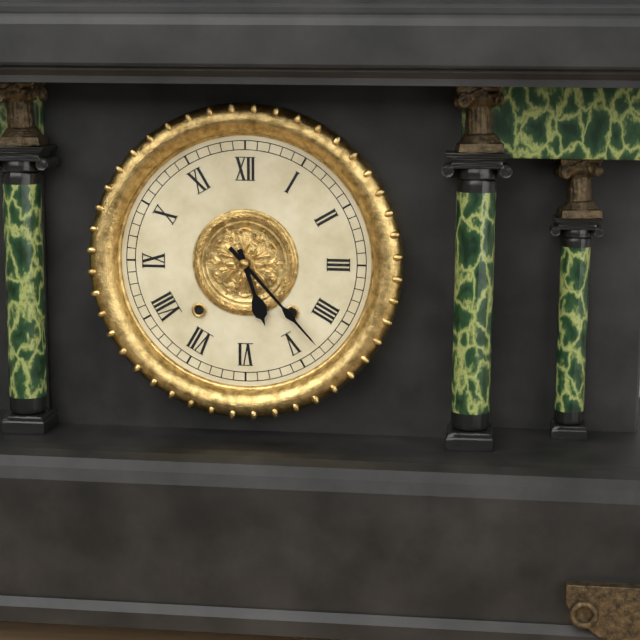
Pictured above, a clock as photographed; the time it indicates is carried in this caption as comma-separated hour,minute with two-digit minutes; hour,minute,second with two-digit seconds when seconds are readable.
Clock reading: 5,23
